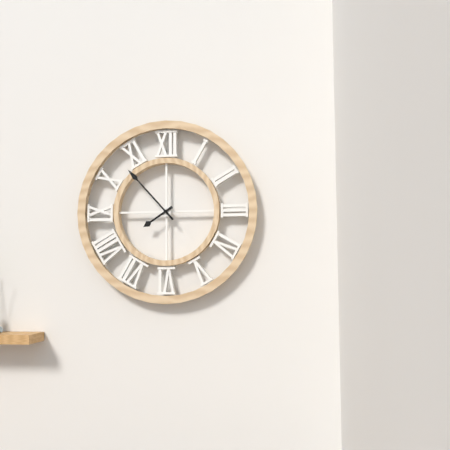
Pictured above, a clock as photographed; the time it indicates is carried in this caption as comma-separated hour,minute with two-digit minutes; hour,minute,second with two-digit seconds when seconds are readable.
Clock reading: 7,53
